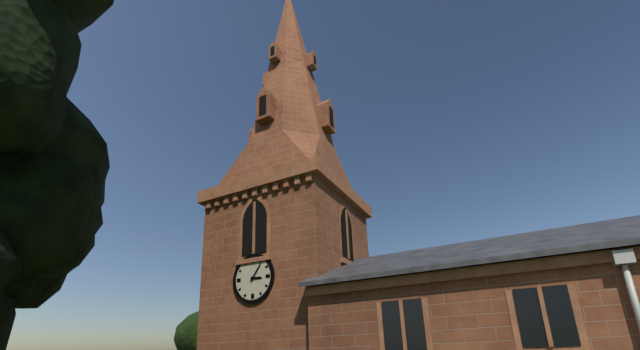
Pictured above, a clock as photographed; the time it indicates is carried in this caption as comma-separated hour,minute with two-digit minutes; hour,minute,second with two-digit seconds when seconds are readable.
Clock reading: 3,06
